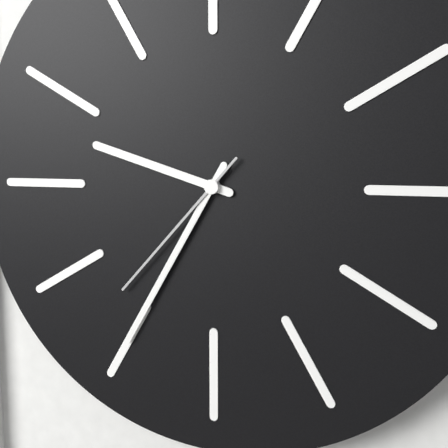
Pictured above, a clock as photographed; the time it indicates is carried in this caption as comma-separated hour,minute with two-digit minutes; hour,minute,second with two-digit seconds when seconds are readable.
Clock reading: 9,35,37
